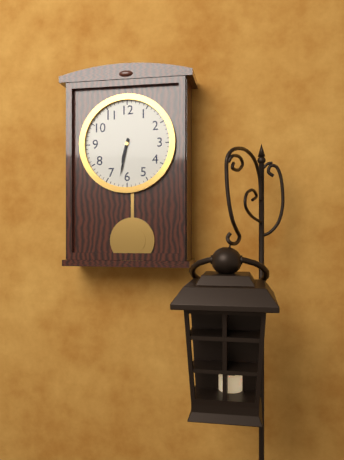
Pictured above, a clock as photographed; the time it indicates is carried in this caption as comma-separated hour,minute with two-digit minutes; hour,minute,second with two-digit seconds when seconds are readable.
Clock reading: 6,32
